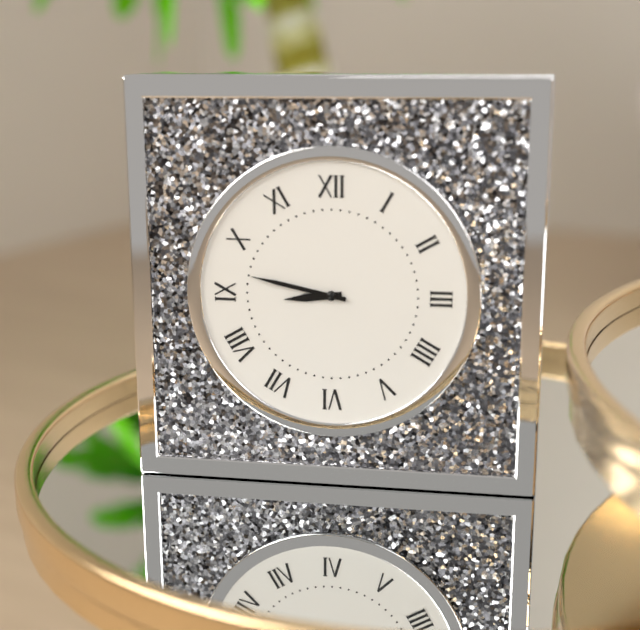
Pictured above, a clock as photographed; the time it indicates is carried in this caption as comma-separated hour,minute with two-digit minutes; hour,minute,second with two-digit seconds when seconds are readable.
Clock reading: 8,47
